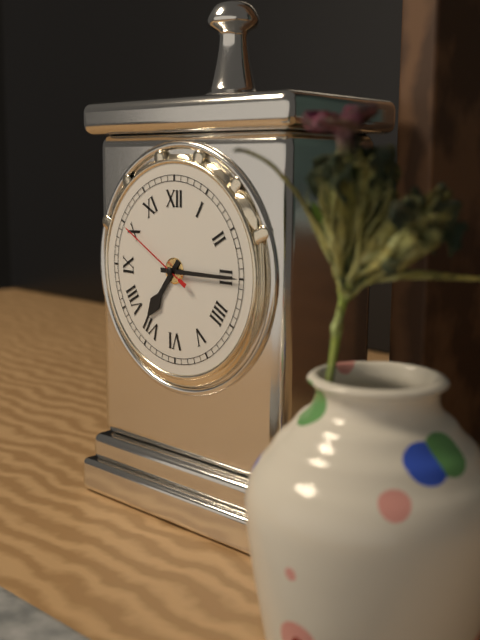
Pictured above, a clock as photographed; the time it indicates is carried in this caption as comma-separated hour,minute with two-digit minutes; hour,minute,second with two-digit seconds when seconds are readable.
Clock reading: 7,15,50
